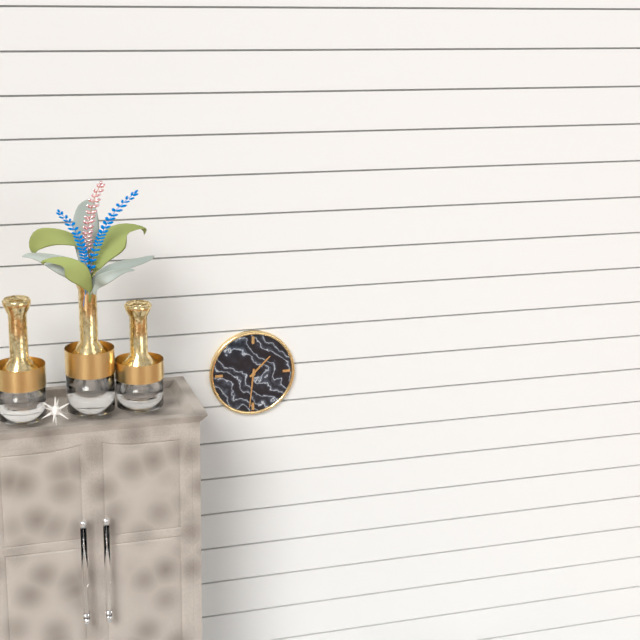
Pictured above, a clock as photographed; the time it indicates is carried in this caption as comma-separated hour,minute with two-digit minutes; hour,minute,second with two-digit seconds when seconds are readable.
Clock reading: 1,31
